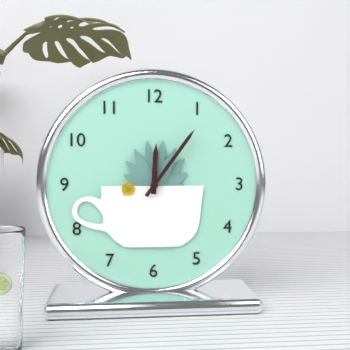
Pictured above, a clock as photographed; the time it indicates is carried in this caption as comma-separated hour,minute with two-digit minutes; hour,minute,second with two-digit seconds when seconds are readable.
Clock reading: 12,06
